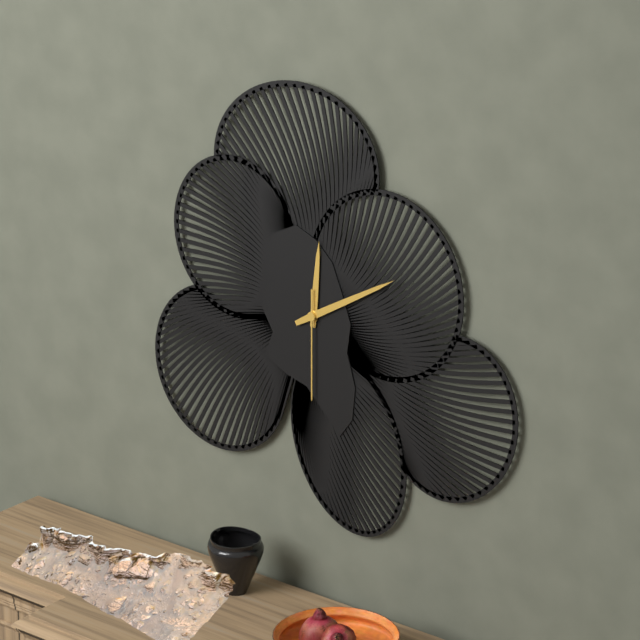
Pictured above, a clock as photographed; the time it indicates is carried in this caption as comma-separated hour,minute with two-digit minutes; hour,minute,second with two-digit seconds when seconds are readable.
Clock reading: 12,10,30
